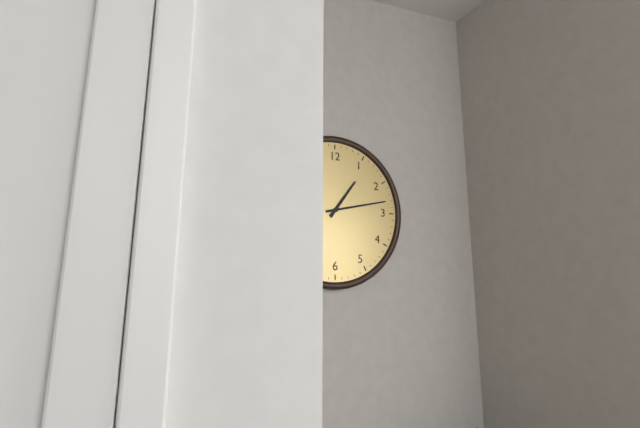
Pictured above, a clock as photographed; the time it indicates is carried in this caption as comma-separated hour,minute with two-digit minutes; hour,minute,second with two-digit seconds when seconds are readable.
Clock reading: 1,13
